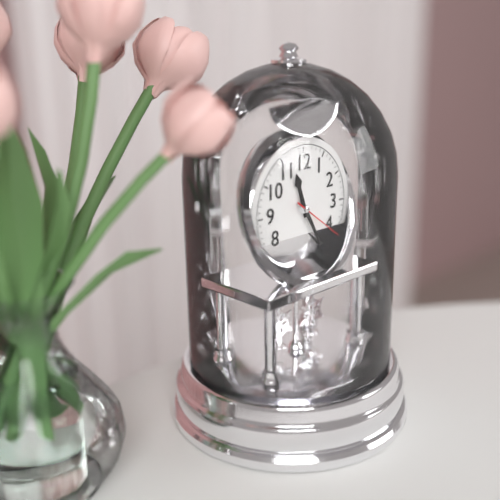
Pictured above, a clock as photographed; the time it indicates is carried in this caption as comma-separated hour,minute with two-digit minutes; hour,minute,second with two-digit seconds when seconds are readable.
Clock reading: 11,25,21
